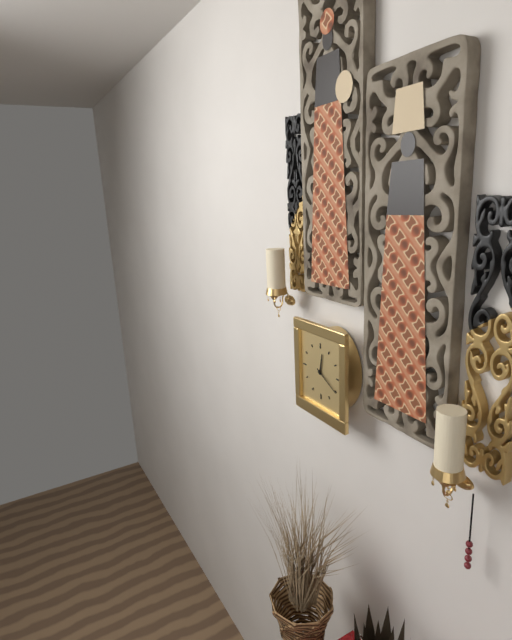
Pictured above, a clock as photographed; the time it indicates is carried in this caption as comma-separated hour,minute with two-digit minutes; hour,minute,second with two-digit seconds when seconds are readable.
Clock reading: 12,20
